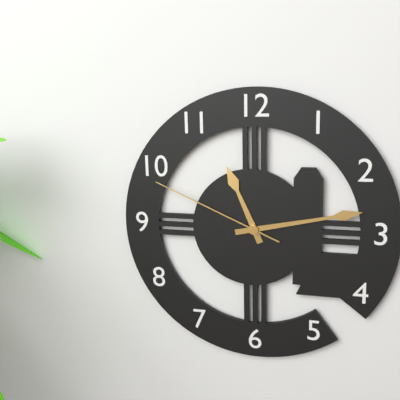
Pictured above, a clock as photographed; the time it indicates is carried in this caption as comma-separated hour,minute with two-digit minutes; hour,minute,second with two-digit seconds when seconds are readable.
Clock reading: 11,13,49
